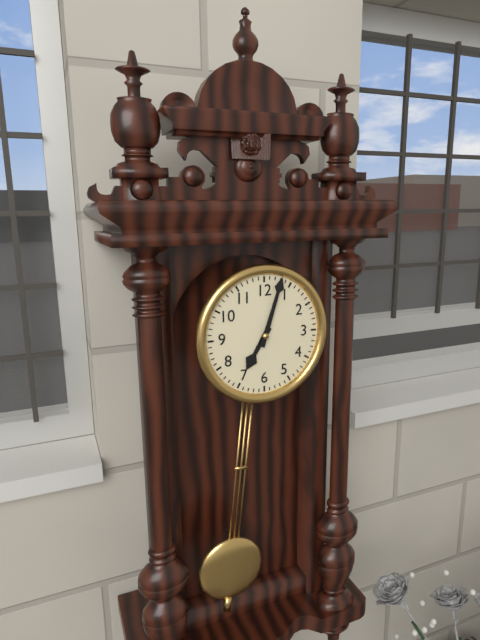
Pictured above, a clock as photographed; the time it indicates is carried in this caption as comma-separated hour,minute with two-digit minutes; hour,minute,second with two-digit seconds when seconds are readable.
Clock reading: 7,03
